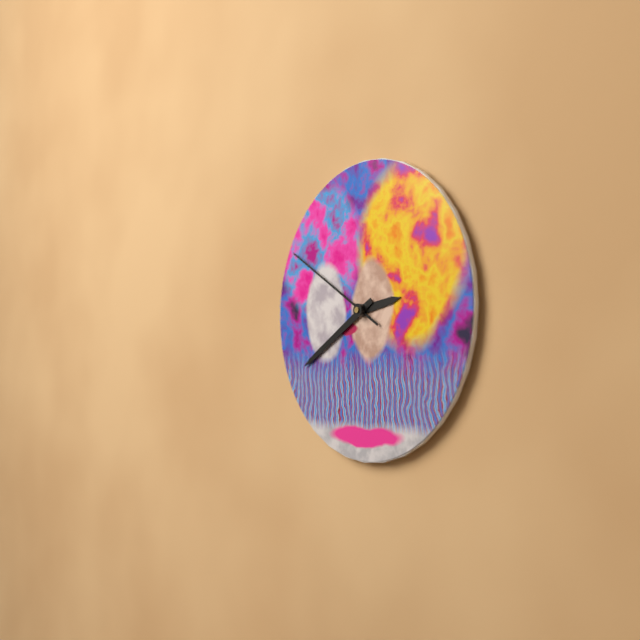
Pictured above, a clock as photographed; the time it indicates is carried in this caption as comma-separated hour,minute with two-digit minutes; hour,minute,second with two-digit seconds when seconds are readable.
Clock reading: 2,40,50
